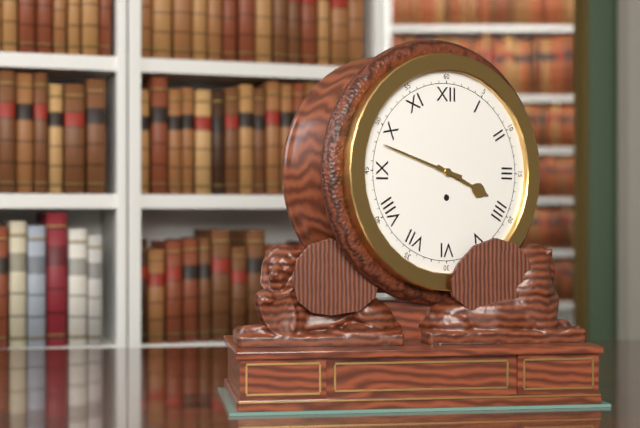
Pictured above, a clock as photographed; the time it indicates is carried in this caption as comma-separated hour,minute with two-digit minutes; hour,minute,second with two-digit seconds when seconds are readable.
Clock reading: 3,48
